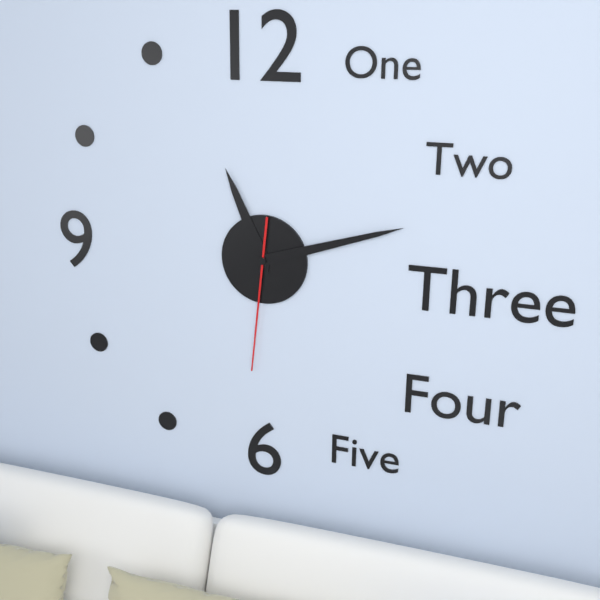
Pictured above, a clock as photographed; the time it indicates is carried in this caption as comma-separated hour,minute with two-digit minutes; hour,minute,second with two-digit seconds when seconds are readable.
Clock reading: 11,12,31
